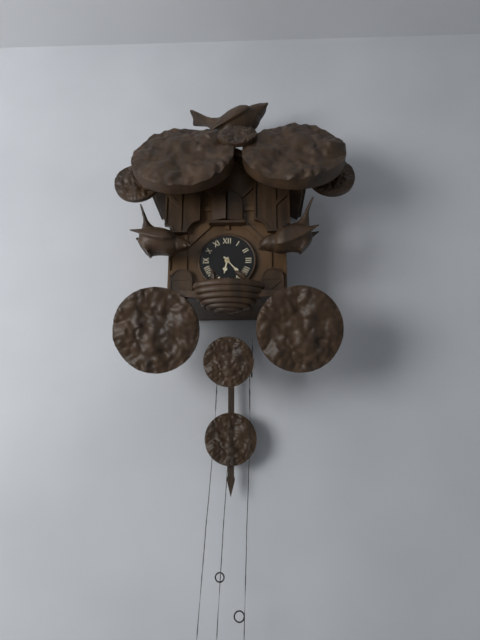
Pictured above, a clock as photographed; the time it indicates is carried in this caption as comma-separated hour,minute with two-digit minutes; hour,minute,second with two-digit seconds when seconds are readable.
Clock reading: 6,23
